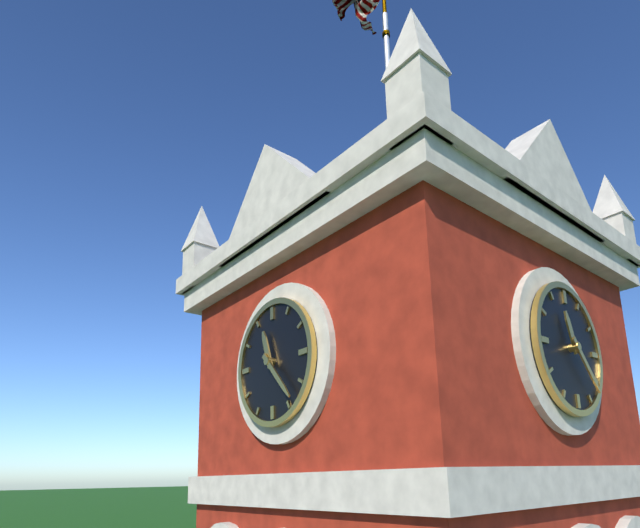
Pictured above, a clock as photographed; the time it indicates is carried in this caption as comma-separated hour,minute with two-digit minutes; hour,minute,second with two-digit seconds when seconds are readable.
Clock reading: 11,23
